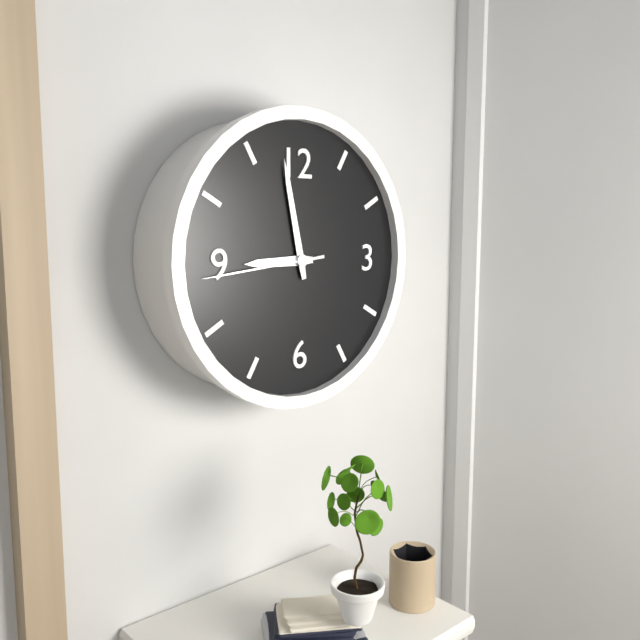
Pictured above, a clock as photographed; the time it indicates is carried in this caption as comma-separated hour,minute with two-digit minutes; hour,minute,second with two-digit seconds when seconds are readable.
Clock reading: 8,58,44
